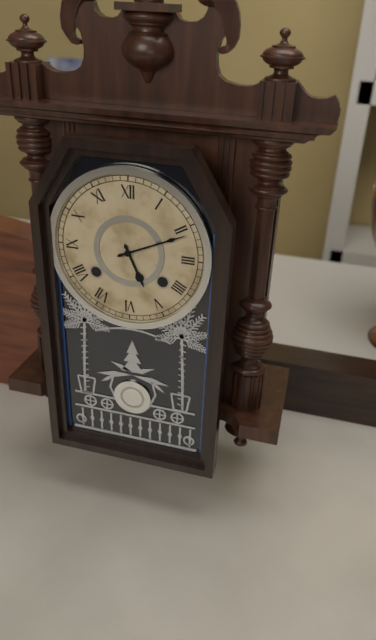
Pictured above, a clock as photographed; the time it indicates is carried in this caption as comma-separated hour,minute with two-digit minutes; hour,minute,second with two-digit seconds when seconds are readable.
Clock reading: 5,11
